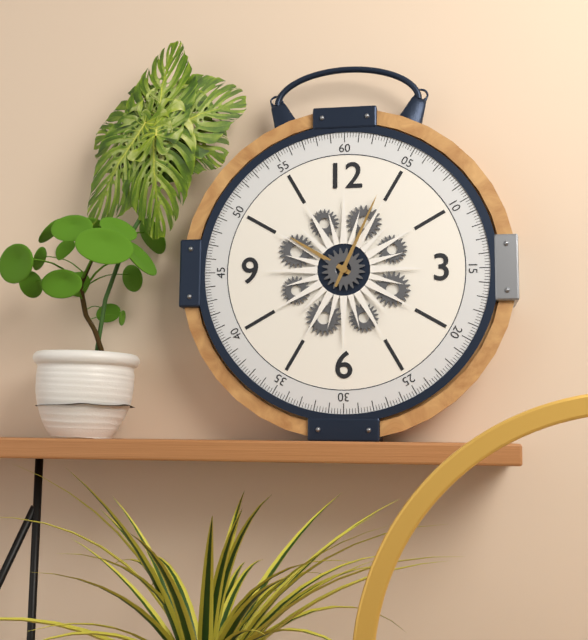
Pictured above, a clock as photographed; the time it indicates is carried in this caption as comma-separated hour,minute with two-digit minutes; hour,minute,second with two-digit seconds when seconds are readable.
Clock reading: 10,04
